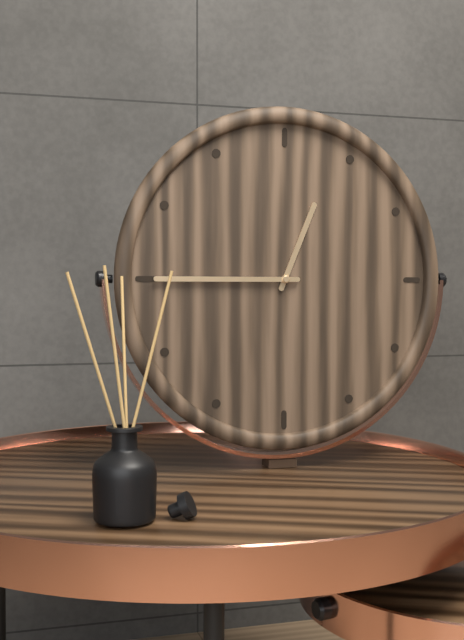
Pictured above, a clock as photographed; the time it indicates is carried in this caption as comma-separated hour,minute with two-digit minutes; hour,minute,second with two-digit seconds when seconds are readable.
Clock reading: 12,45
